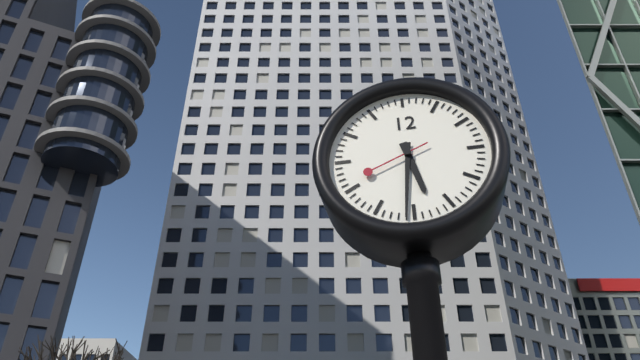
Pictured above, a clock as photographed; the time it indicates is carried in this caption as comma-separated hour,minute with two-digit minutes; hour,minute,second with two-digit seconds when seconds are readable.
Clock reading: 5,31,41
